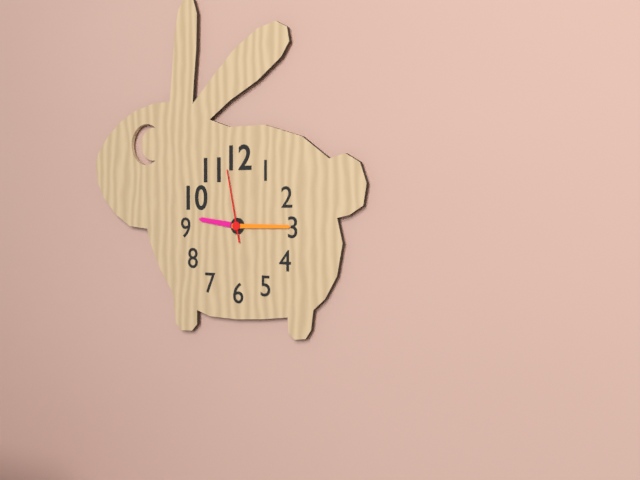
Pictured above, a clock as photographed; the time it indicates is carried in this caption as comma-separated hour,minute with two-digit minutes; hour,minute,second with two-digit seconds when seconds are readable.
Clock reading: 9,15,58
